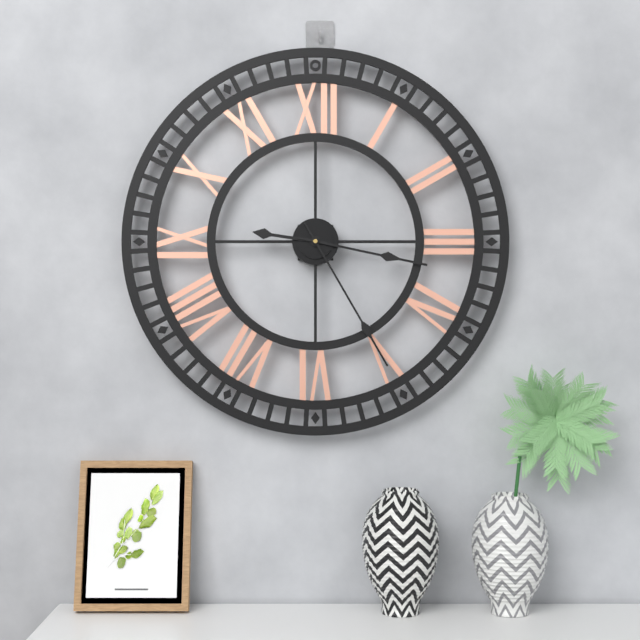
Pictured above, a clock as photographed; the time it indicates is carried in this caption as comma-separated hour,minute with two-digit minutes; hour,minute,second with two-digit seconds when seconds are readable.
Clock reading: 9,17,25
